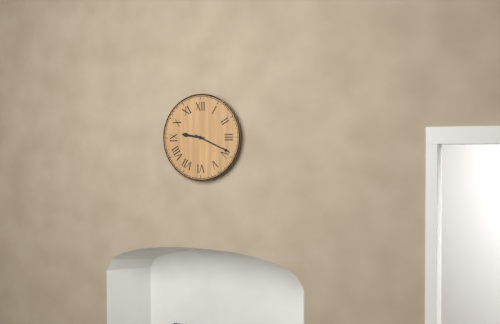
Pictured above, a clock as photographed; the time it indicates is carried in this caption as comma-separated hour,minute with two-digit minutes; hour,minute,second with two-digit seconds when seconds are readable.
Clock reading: 9,19
